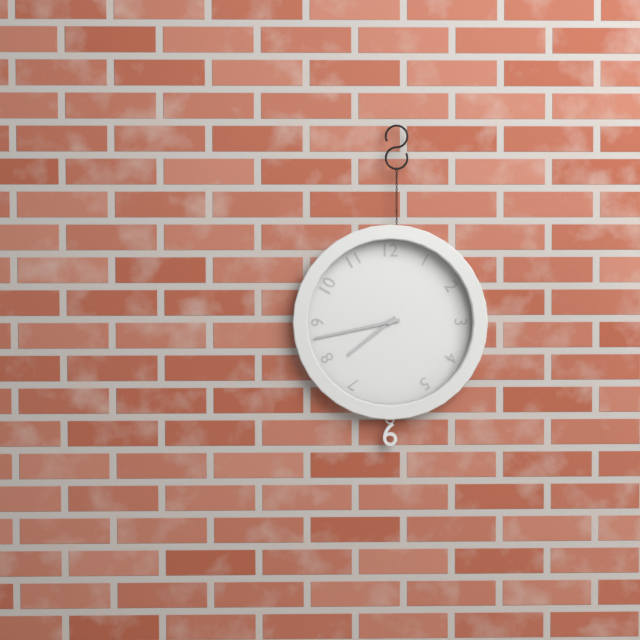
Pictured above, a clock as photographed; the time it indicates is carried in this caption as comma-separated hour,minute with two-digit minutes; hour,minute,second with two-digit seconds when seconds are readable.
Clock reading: 7,43
